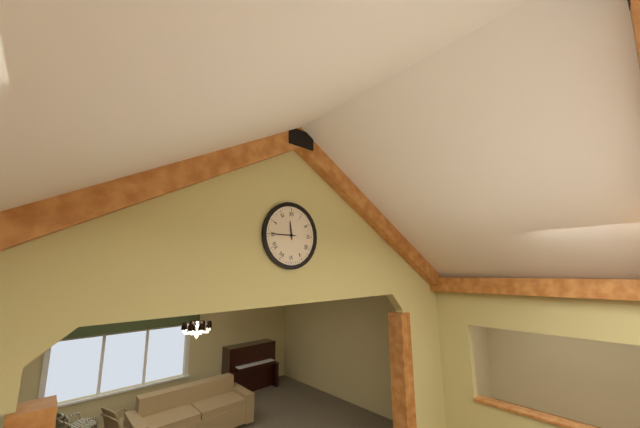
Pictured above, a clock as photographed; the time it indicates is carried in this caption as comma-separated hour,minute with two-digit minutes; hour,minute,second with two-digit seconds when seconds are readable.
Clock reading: 11,45
